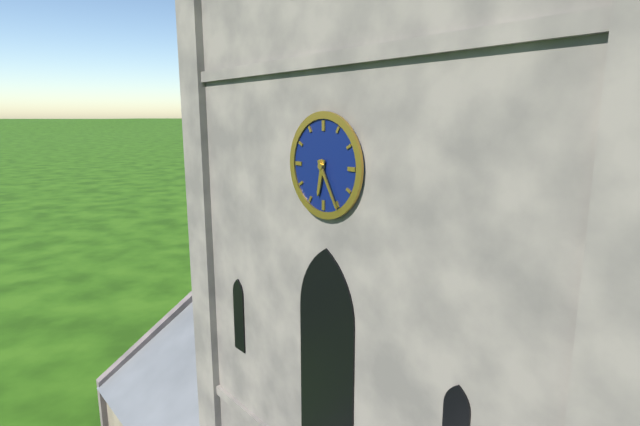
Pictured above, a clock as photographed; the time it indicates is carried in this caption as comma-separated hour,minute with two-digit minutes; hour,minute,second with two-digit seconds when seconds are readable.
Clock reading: 6,25
